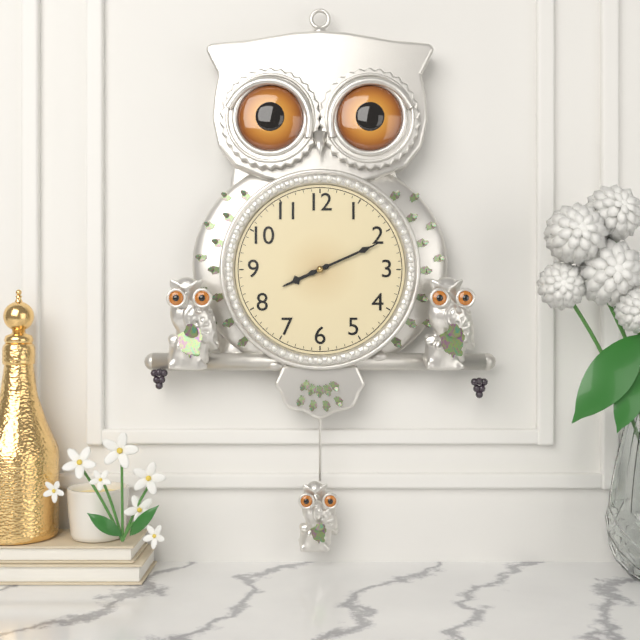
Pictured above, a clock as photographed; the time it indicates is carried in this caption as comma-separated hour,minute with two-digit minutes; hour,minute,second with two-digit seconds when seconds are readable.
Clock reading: 8,11
